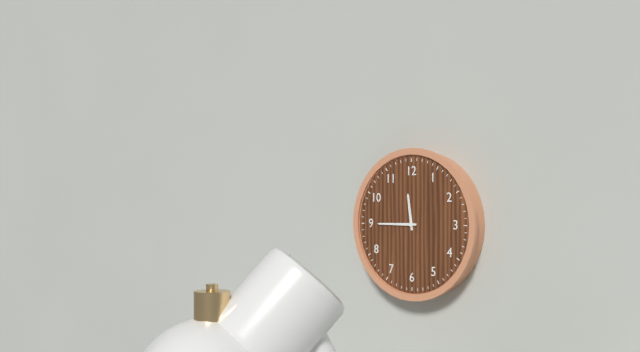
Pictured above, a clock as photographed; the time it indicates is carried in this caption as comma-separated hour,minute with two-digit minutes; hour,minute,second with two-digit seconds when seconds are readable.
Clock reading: 11,45
